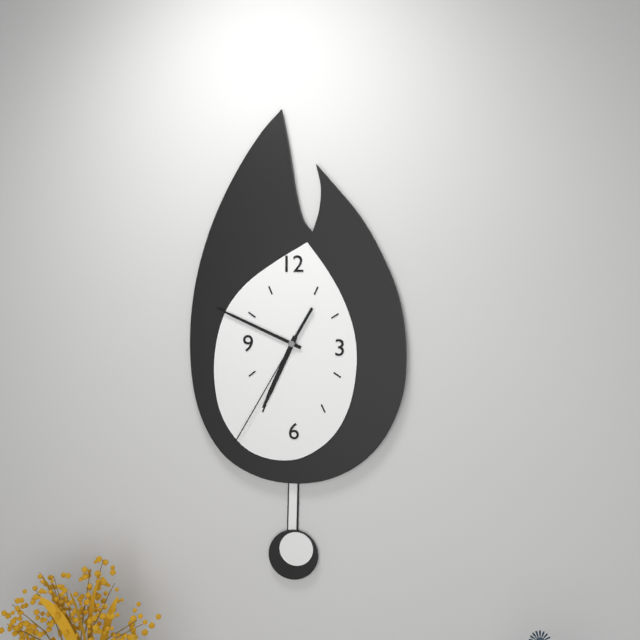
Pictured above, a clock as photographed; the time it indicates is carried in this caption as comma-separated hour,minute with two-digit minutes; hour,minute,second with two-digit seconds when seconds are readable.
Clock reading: 6,49,35
